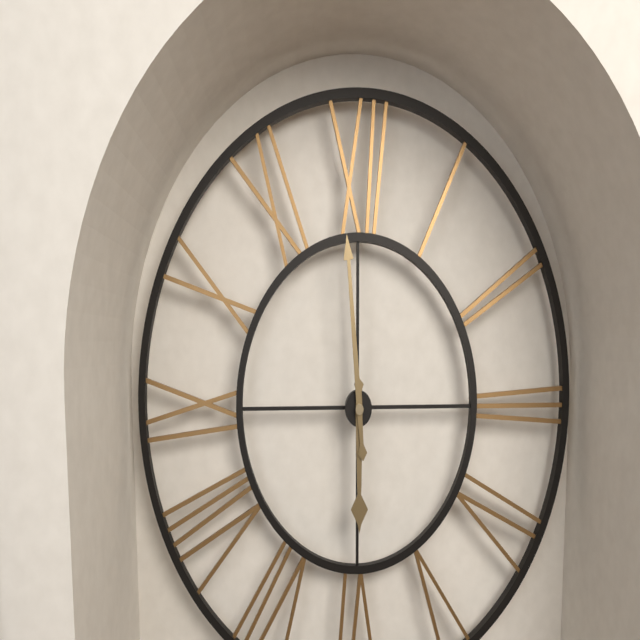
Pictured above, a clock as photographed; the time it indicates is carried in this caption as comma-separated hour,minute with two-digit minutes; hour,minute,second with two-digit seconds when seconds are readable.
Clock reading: 5,59
